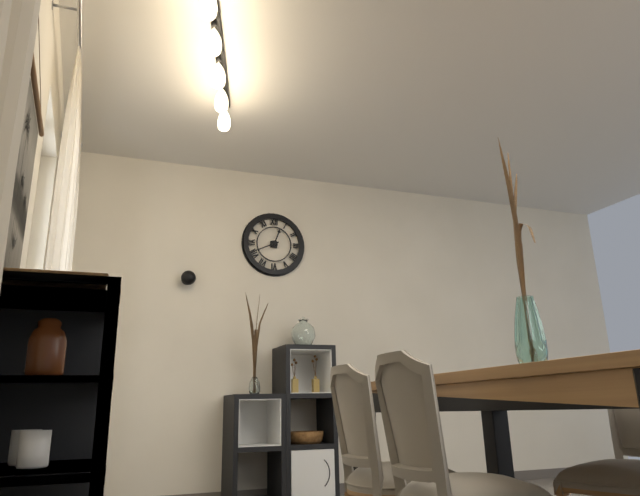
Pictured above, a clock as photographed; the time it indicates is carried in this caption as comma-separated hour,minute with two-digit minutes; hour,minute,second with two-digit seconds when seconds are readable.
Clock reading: 12,41
